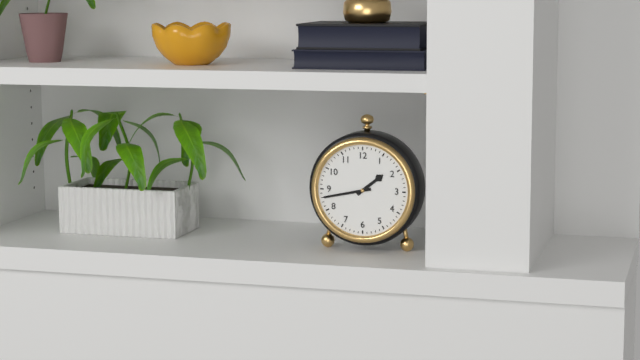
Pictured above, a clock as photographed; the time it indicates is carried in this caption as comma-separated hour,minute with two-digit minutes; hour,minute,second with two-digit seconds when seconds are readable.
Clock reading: 1,43
